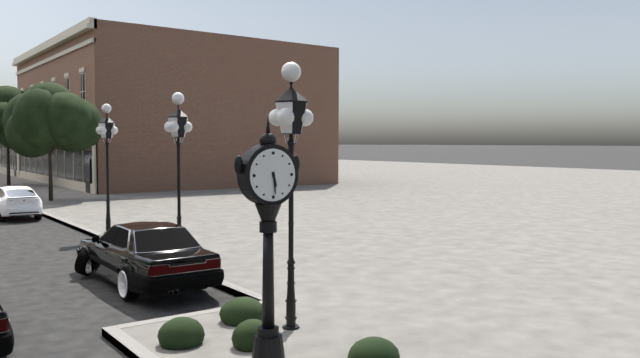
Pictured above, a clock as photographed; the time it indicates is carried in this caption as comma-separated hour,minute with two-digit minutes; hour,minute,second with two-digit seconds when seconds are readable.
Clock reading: 5,29
